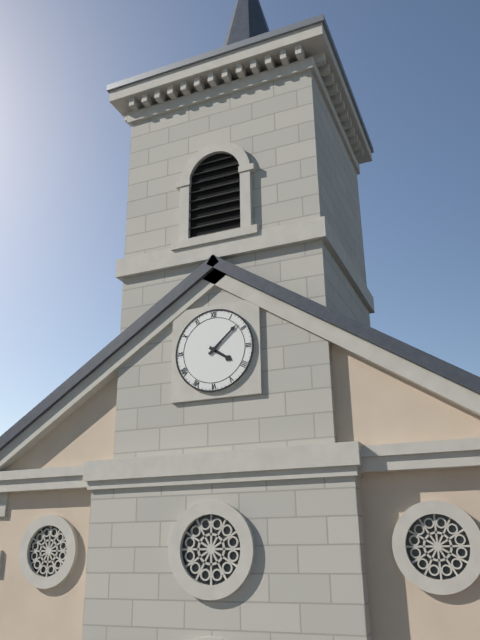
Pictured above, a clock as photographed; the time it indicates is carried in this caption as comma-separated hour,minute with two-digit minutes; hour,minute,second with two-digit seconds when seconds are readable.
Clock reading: 4,08
